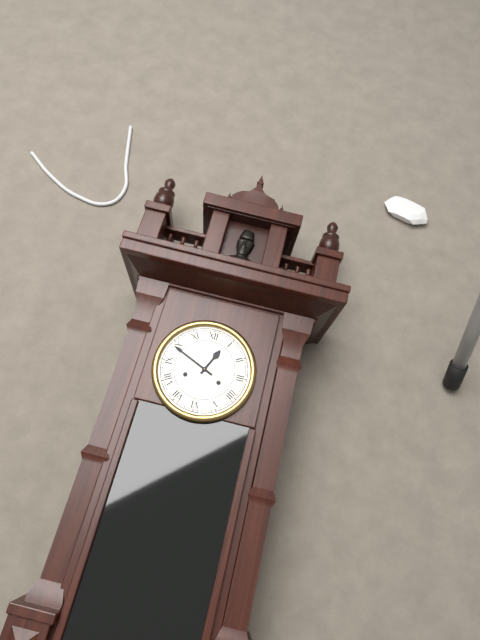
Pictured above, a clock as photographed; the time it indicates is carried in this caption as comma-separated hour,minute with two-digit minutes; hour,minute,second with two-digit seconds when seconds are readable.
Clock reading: 12,49
